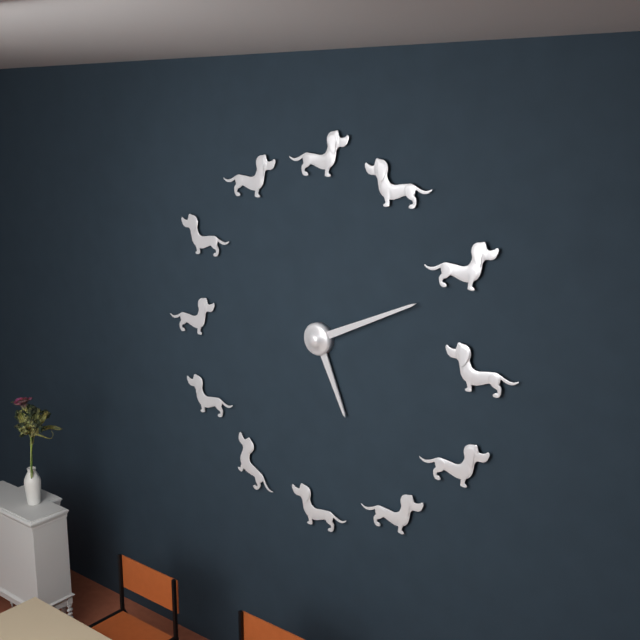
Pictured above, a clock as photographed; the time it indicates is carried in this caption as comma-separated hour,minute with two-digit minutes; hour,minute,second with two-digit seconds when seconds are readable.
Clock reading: 5,11
